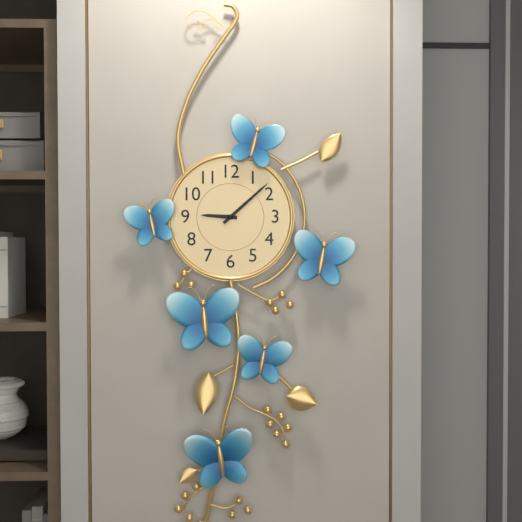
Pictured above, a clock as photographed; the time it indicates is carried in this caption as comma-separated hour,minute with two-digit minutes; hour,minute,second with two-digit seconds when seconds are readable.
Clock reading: 9,08
